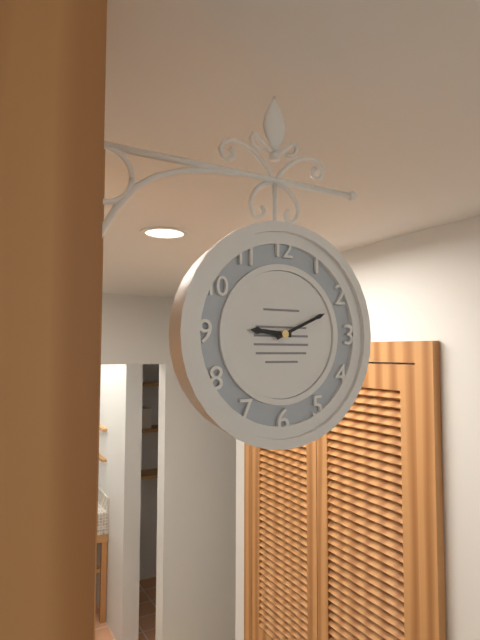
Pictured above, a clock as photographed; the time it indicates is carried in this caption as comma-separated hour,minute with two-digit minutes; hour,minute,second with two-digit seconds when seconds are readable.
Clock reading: 9,11
